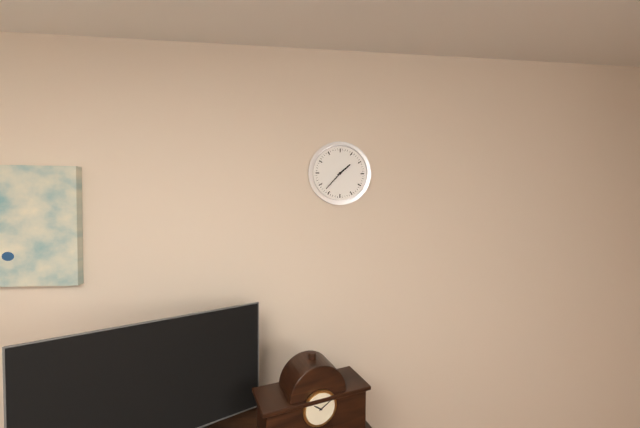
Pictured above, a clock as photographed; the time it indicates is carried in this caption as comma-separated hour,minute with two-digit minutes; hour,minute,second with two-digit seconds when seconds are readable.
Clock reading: 1,37
